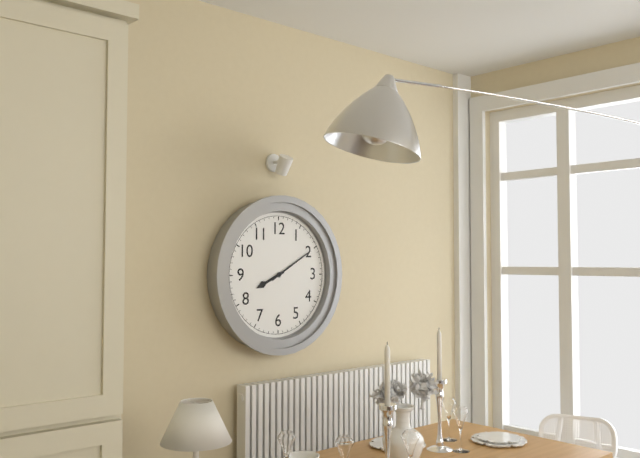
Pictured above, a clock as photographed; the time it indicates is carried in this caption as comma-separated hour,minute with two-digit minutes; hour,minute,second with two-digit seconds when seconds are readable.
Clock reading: 8,10
